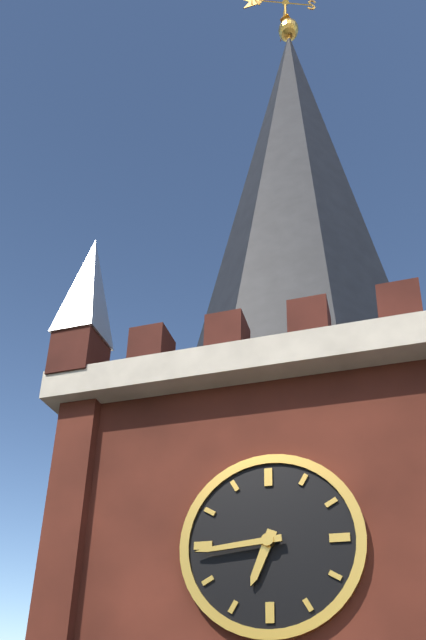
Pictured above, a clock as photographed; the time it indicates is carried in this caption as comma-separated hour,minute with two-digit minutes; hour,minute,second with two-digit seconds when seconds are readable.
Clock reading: 6,44
